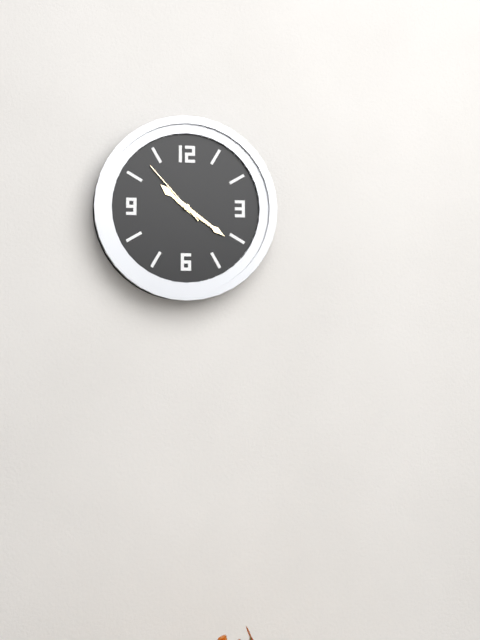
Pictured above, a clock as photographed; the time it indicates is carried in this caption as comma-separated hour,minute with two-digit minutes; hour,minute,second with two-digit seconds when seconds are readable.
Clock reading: 10,21,53
